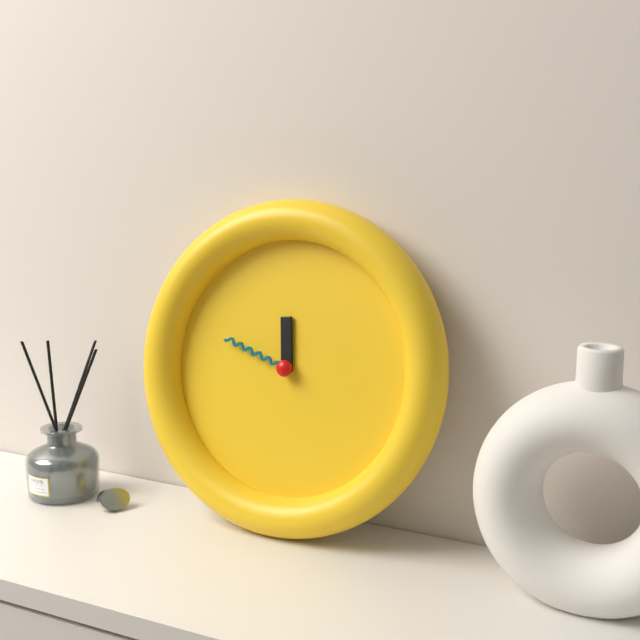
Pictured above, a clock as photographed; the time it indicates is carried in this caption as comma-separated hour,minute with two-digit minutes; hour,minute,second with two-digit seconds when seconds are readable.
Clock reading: 11,48
